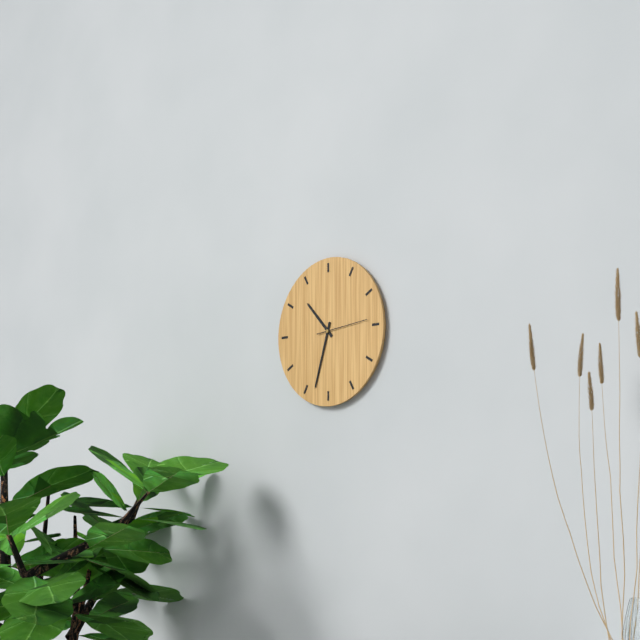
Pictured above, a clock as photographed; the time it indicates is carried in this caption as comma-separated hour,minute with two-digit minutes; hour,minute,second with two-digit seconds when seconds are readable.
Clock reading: 10,33,14
